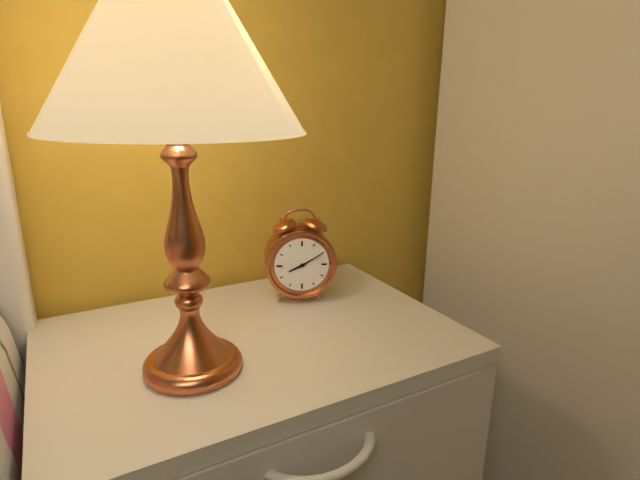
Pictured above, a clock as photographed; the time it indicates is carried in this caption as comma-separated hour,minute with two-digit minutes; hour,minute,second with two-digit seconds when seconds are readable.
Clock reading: 8,10
